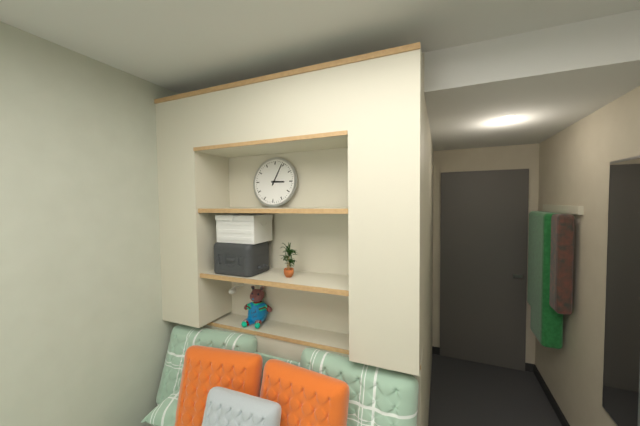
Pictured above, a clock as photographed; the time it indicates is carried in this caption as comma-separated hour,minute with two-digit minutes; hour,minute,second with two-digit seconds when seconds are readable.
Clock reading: 3,04
